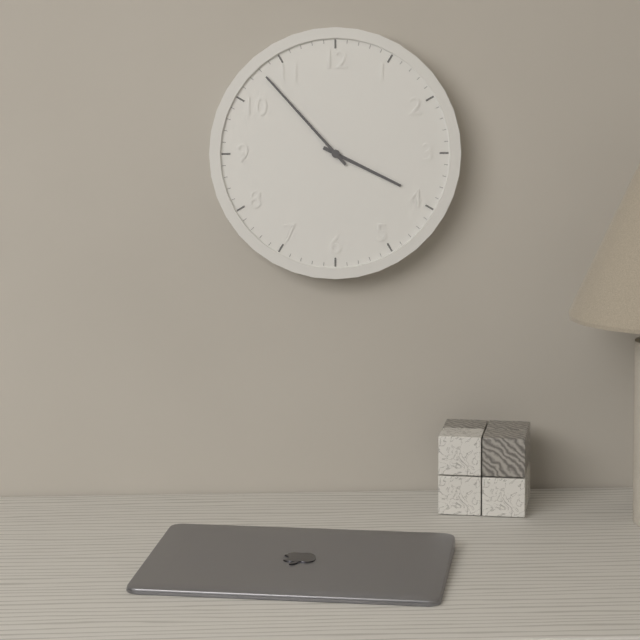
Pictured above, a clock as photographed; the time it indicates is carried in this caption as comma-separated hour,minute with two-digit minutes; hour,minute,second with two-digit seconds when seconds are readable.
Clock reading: 3,53
